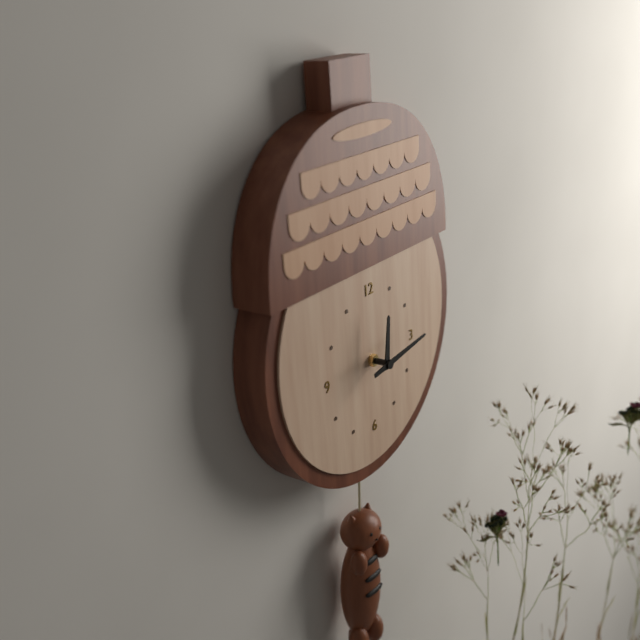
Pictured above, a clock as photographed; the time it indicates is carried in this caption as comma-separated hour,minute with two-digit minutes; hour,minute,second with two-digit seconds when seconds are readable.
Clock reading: 12,14
